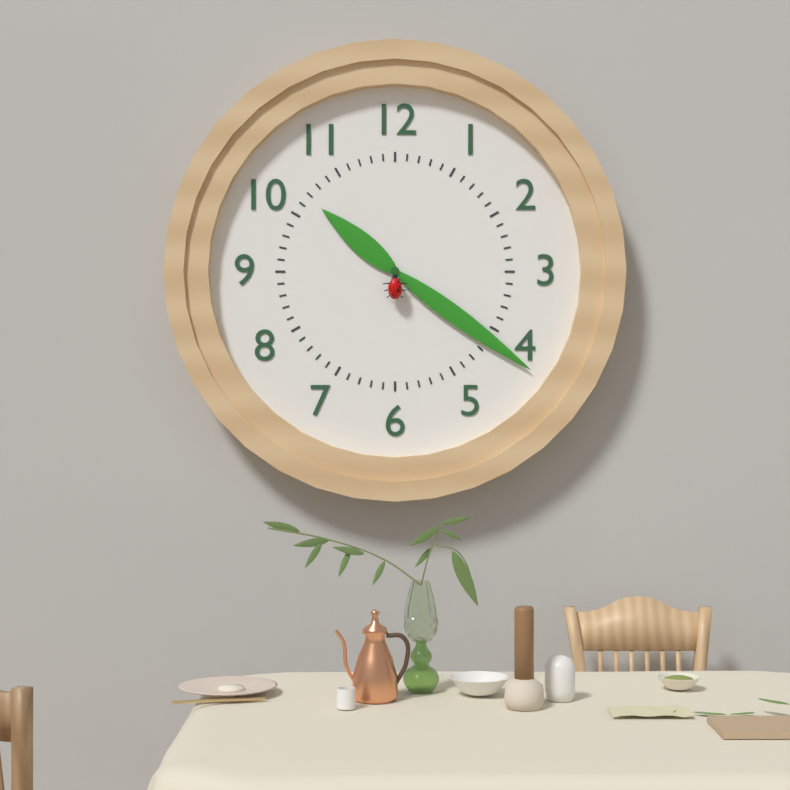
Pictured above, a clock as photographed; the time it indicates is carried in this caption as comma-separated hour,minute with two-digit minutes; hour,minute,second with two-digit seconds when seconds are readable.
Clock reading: 10,21
